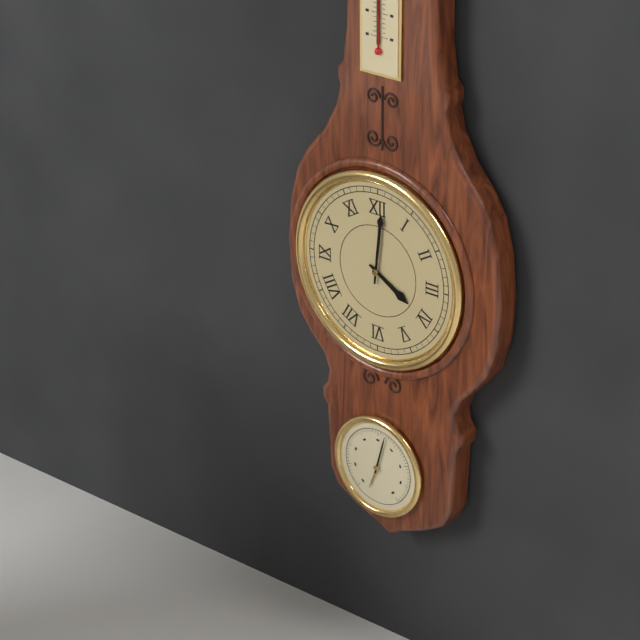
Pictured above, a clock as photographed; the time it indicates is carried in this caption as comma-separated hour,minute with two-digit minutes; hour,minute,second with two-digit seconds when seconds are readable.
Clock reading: 4,01
